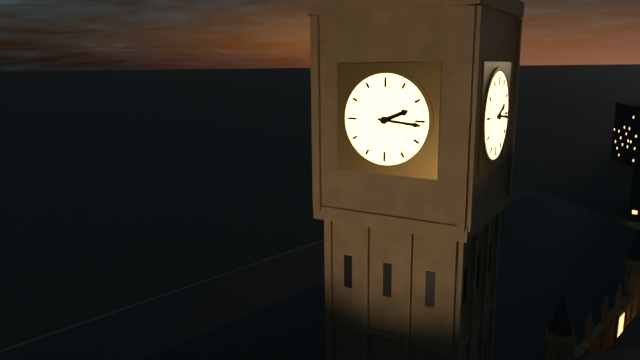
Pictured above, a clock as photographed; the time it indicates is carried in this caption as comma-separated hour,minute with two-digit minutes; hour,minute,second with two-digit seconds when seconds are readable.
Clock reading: 2,16
